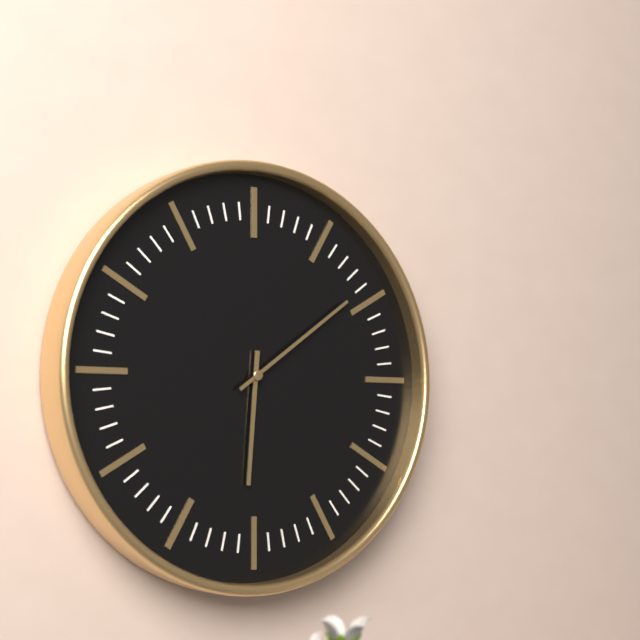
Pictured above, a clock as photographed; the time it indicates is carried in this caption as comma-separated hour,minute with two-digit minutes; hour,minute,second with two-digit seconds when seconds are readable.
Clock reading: 6,09
